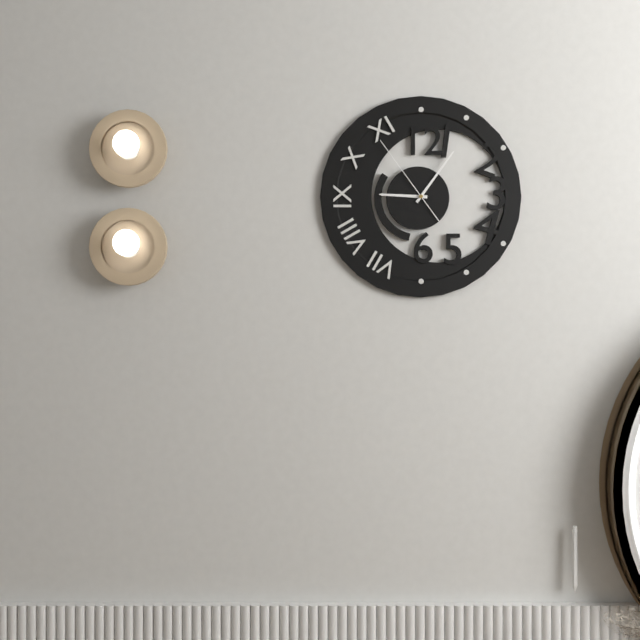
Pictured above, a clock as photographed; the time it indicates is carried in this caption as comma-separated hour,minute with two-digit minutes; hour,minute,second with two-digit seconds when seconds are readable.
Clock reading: 9,06,54
